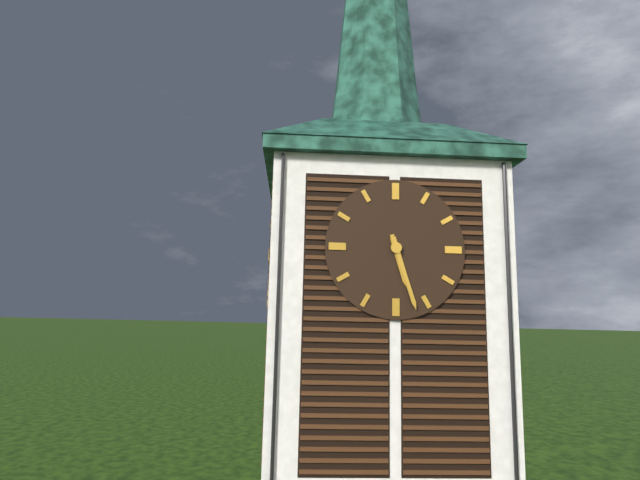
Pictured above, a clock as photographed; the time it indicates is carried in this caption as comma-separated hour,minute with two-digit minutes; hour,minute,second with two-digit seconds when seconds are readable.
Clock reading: 5,27
